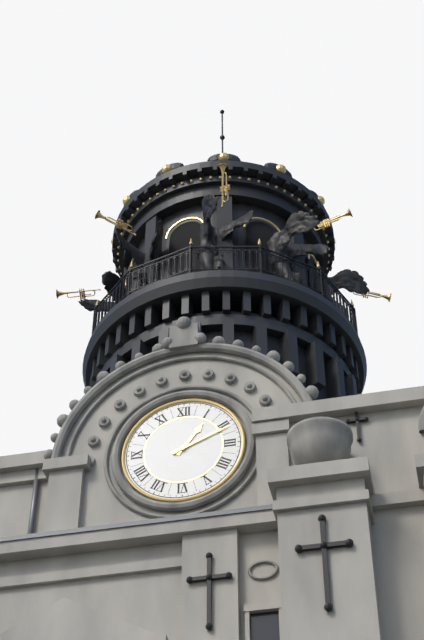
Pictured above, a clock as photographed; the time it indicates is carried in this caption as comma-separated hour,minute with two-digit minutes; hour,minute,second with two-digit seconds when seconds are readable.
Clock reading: 1,11
